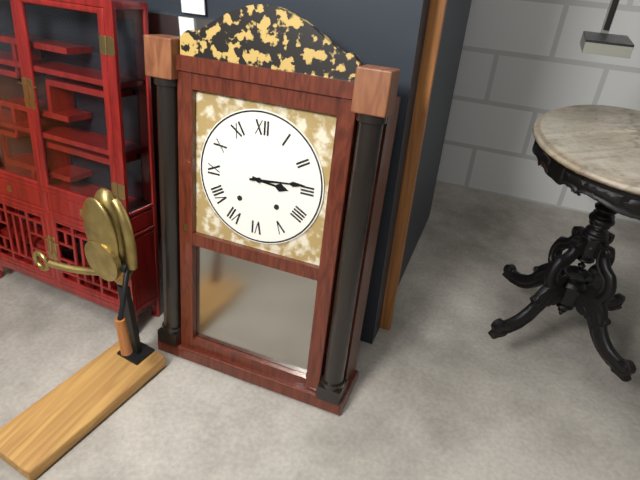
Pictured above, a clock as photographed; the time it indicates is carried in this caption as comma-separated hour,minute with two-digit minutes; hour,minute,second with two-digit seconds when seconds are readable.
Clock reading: 3,14
